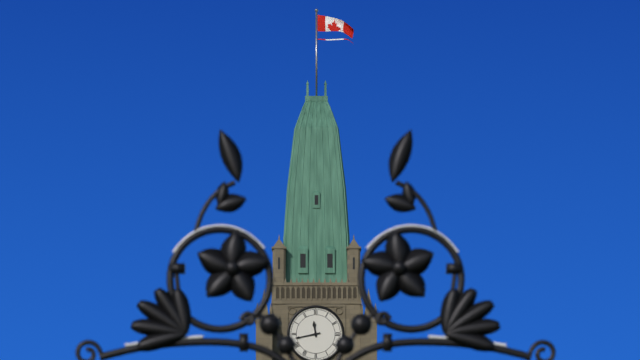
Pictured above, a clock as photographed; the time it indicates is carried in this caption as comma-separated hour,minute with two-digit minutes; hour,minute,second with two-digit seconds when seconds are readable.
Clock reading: 11,43
